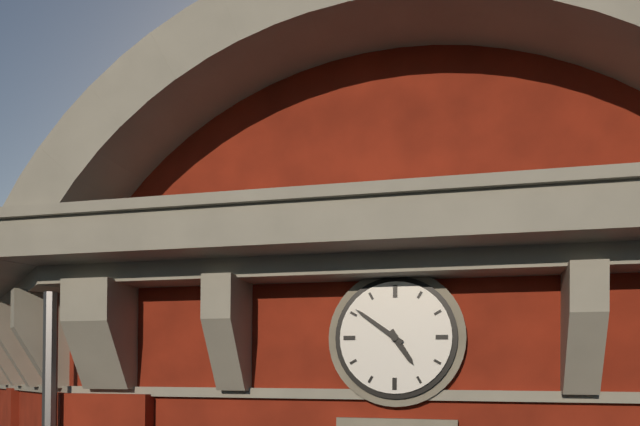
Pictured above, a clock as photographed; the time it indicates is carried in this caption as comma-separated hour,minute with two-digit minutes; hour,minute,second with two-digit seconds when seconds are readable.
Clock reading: 4,51
